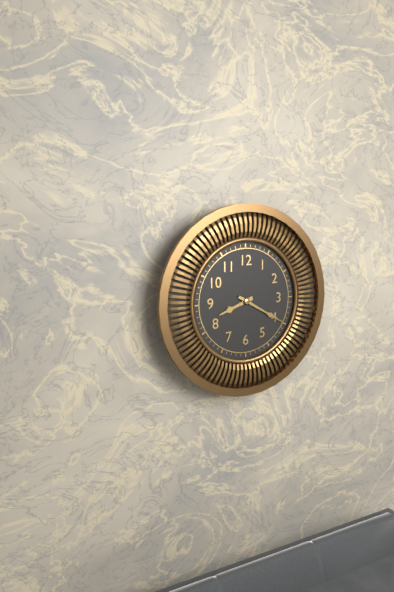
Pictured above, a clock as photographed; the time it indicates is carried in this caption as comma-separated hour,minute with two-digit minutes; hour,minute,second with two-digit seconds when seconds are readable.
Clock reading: 8,20
